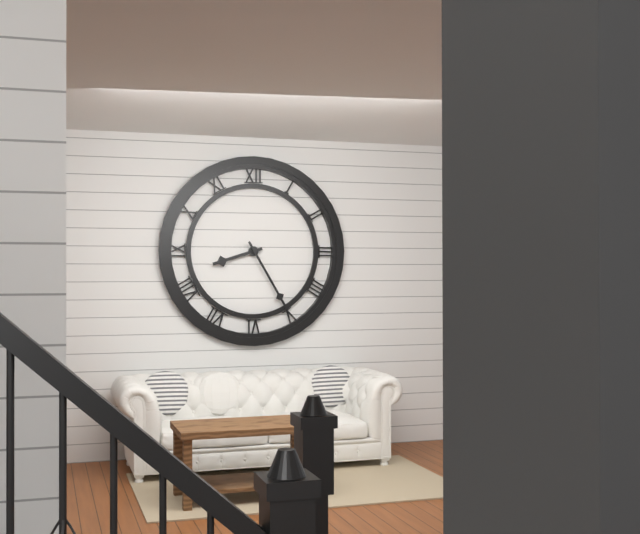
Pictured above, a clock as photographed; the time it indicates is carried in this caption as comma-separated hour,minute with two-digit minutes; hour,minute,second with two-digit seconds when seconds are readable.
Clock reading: 8,25
